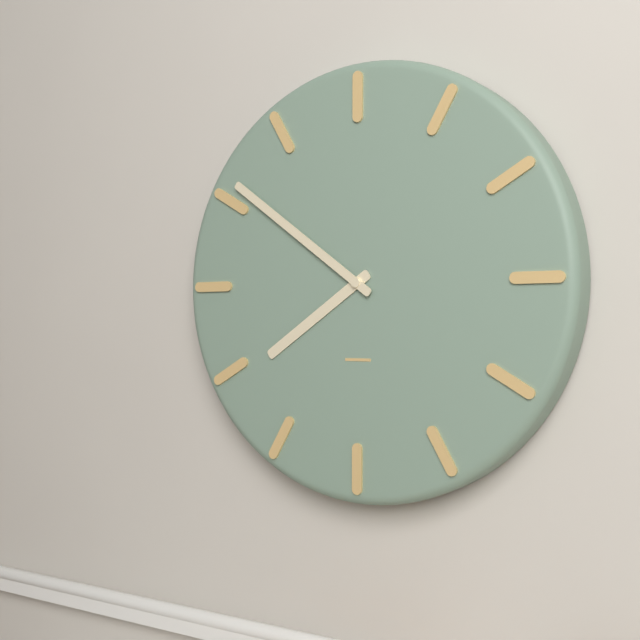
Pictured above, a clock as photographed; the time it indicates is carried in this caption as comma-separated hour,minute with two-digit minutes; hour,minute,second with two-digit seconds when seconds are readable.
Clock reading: 7,51
